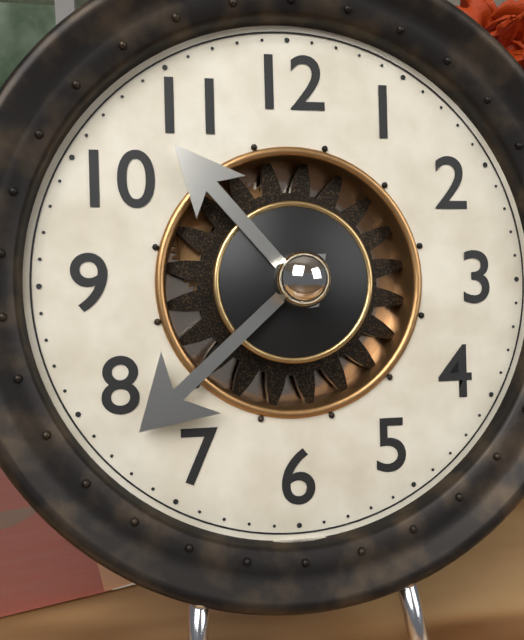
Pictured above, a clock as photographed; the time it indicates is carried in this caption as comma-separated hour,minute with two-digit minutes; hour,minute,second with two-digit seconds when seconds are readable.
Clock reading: 10,38
